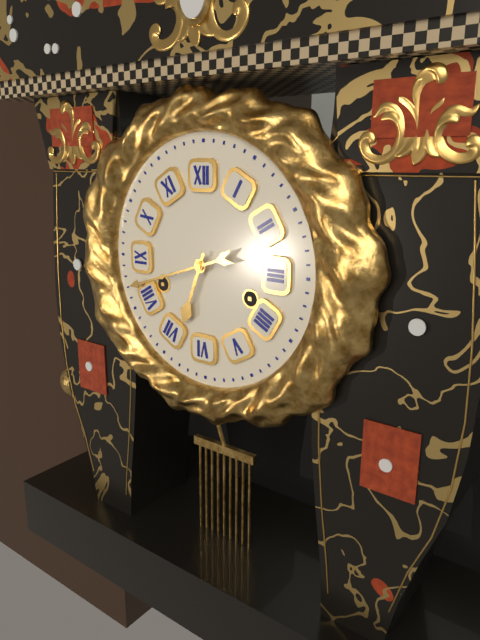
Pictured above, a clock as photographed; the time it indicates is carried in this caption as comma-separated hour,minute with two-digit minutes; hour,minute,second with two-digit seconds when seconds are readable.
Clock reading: 6,42
